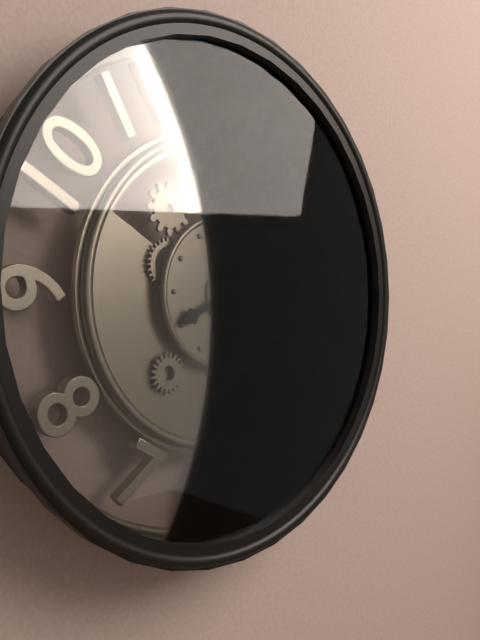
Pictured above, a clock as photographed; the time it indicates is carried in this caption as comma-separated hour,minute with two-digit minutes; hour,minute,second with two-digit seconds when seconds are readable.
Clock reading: 8,06,09
